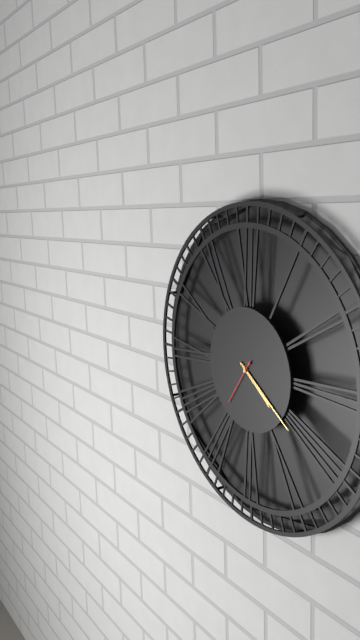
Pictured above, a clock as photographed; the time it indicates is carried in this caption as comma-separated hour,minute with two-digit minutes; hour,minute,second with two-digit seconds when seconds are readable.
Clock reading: 4,21,36
